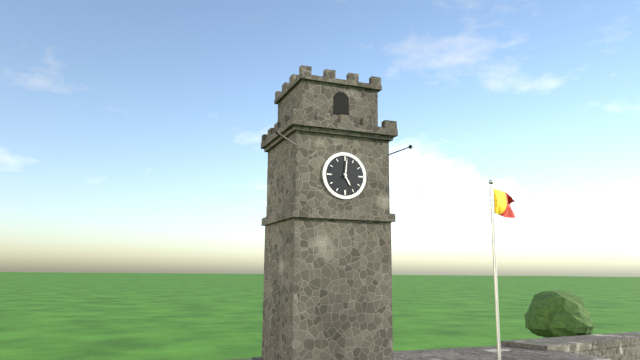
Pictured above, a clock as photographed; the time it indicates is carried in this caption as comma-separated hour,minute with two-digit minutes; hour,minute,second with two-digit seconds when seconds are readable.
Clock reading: 5,01
